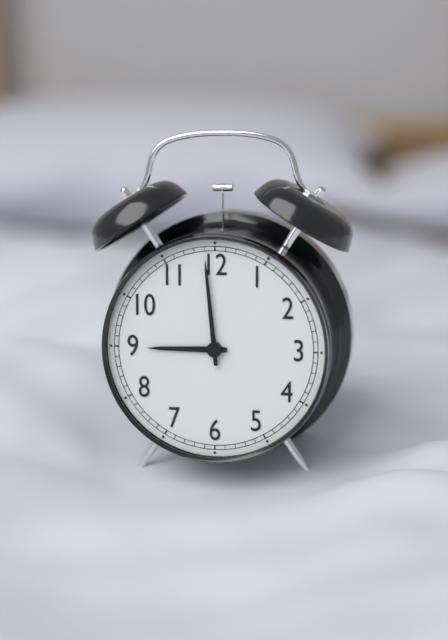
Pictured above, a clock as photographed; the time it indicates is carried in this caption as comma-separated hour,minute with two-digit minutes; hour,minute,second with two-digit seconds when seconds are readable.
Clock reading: 8,59
